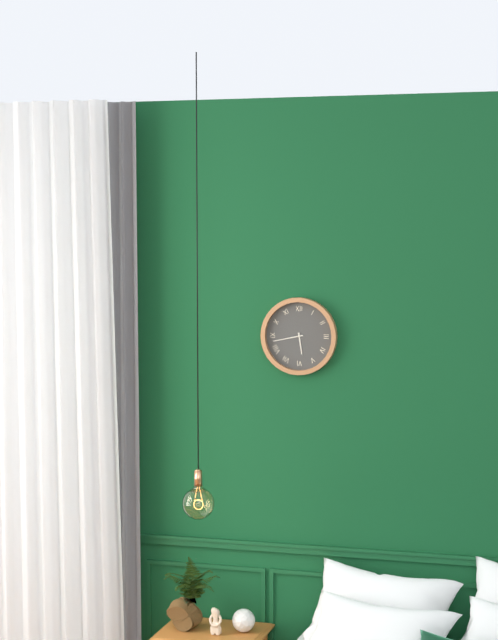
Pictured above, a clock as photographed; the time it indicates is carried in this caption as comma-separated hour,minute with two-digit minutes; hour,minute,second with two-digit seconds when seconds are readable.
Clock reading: 5,43
